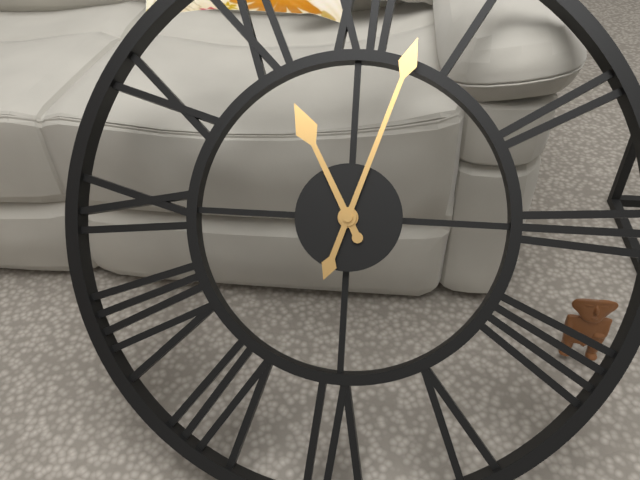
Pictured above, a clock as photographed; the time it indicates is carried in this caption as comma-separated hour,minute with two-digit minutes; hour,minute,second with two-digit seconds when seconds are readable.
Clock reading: 11,03
